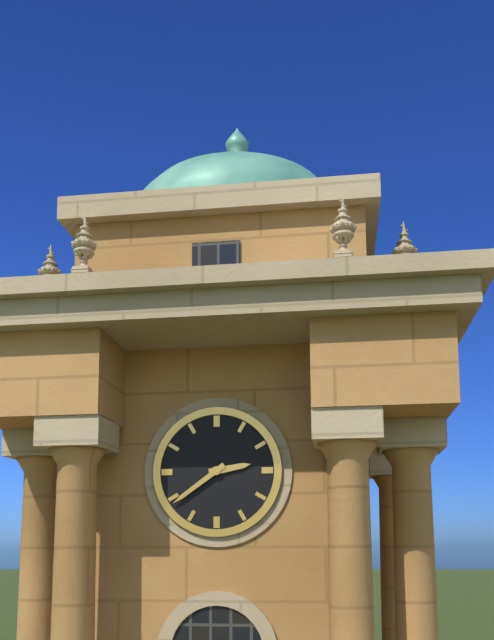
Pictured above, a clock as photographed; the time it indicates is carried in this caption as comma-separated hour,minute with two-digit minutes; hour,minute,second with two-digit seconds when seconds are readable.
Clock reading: 2,39
